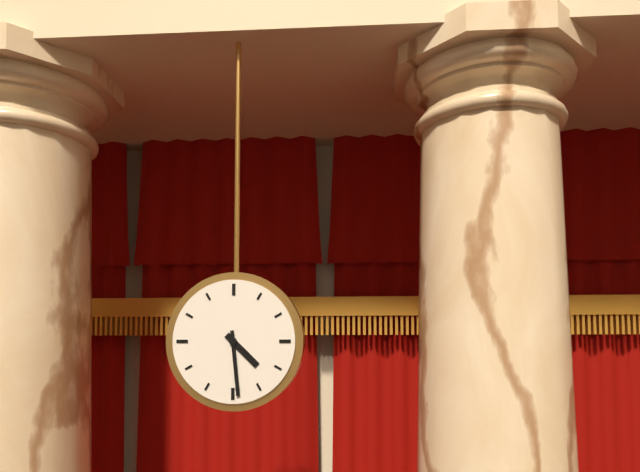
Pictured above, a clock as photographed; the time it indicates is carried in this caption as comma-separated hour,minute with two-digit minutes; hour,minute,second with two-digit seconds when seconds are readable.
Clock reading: 4,29
